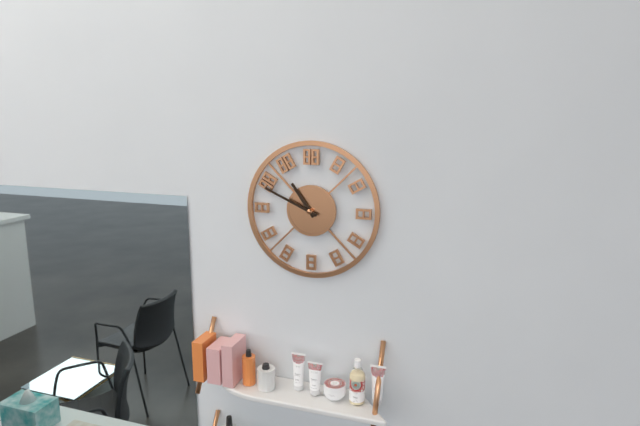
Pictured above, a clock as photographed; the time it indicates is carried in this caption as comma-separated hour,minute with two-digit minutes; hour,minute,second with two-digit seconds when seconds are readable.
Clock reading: 10,49
